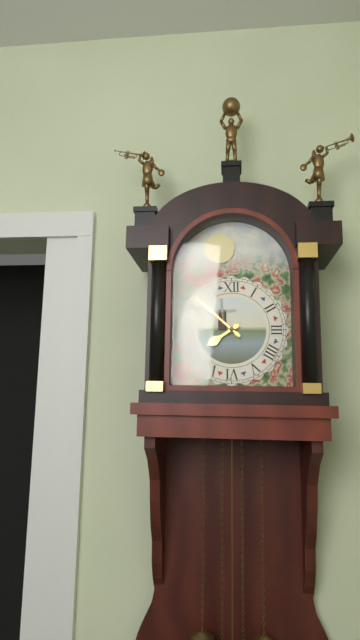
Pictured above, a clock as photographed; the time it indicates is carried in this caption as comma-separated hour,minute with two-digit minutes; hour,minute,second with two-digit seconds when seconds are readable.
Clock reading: 7,52
